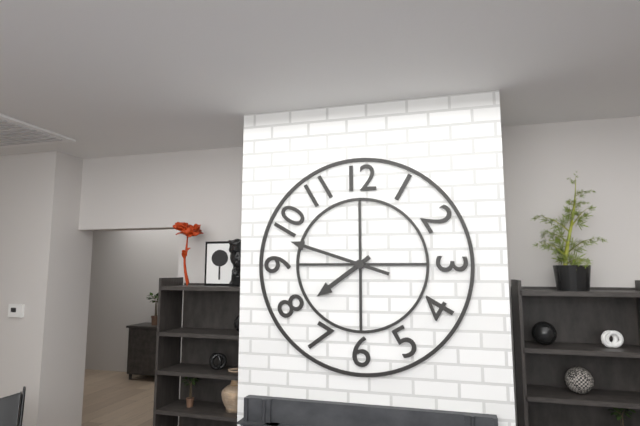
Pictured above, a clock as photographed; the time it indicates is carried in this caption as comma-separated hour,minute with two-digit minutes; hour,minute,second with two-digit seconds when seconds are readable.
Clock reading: 7,48
